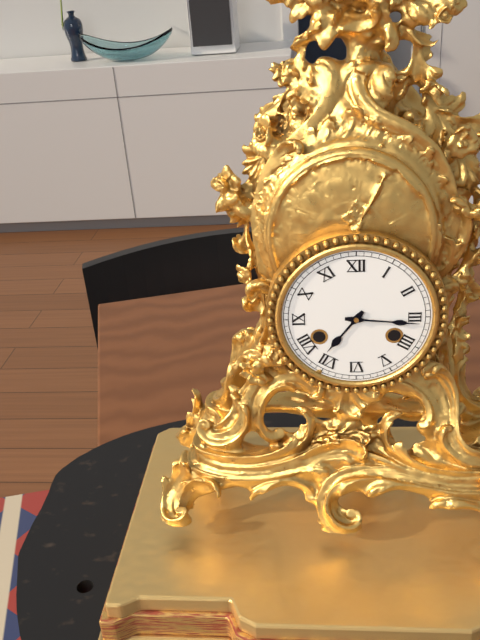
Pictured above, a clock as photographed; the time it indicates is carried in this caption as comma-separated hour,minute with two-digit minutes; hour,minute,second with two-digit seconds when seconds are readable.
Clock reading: 7,16
